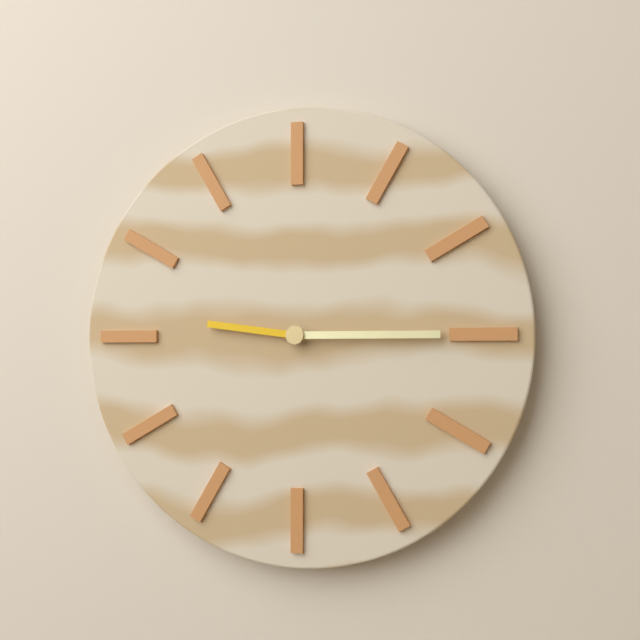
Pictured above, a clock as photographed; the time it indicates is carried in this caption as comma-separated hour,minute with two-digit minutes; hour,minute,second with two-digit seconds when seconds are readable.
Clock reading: 9,15
